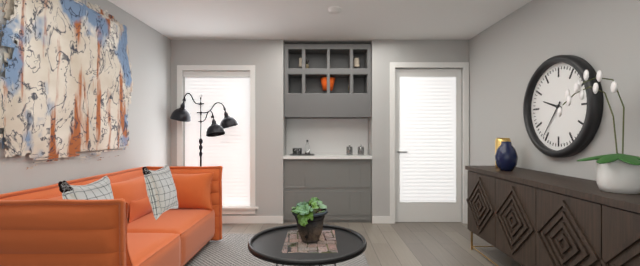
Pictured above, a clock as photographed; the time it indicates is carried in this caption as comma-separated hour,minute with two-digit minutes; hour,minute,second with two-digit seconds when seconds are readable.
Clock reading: 9,36
